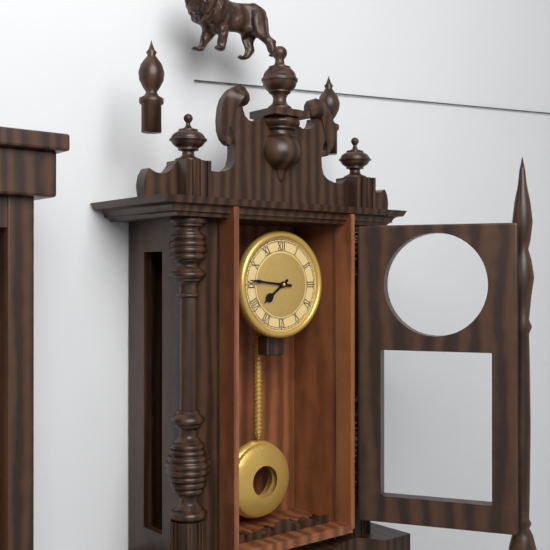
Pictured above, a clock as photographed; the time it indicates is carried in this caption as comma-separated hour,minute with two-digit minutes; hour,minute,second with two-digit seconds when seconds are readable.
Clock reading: 7,46
